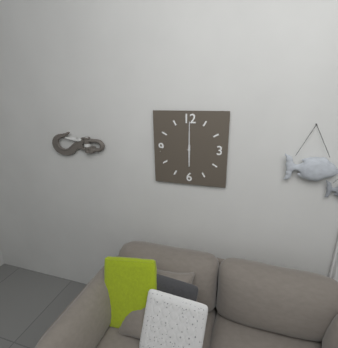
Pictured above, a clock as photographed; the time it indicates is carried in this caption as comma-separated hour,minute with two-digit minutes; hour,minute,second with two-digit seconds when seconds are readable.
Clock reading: 6,00
